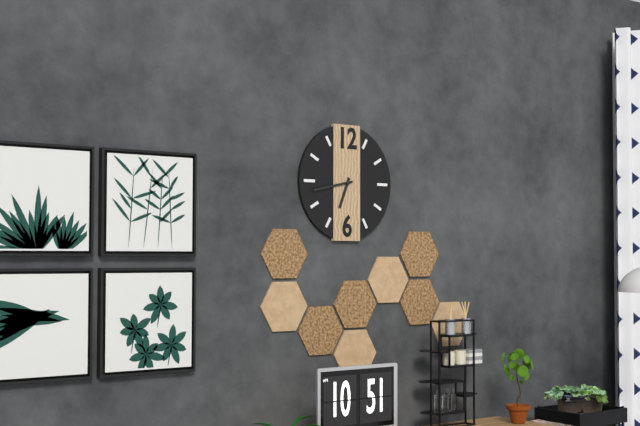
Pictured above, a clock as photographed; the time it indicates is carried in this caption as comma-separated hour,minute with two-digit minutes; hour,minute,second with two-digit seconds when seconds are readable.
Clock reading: 6,43
